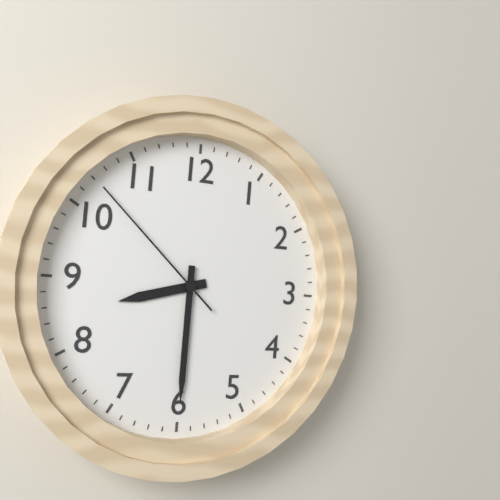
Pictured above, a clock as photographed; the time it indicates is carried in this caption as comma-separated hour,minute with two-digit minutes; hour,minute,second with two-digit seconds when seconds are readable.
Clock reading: 8,30,52
